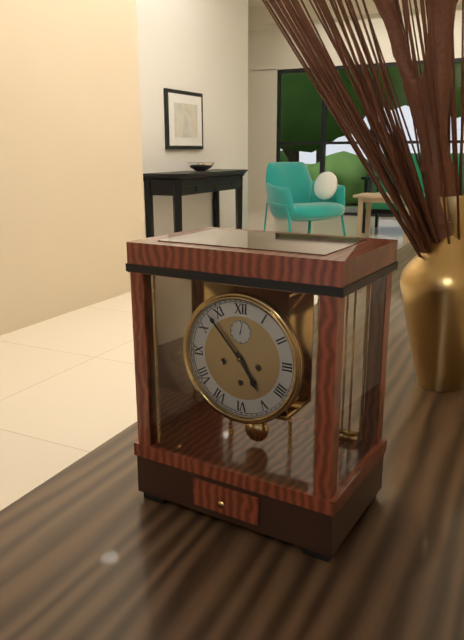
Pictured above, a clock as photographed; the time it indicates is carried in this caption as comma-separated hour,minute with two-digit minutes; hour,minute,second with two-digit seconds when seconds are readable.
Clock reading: 4,53
